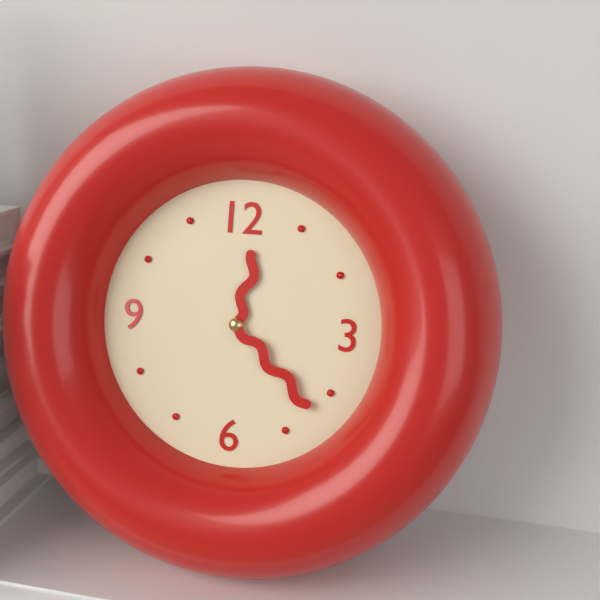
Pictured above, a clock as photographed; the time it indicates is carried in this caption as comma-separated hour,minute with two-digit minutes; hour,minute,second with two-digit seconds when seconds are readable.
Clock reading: 12,22
